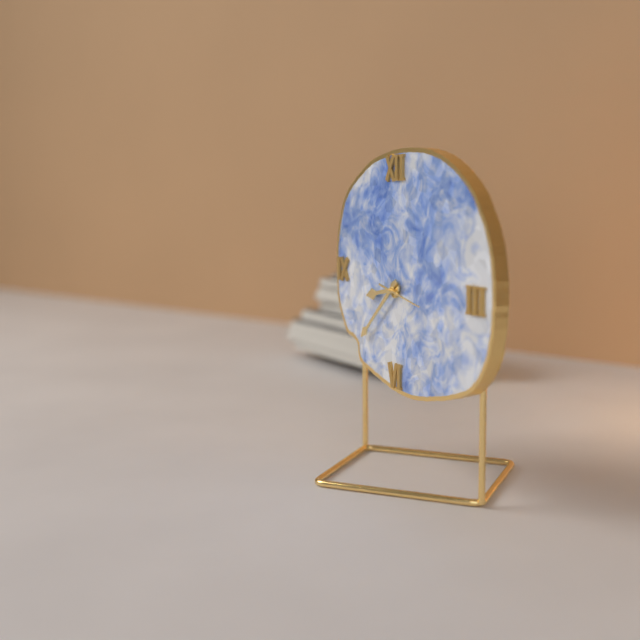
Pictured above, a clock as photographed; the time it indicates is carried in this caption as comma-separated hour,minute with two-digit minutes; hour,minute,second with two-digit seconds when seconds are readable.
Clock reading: 8,38
